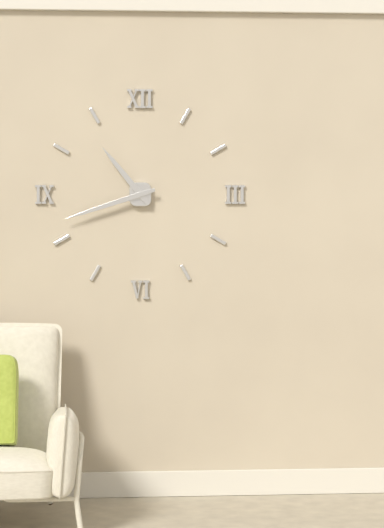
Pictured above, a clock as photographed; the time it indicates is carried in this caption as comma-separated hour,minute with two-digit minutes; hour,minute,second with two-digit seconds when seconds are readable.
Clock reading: 10,42
